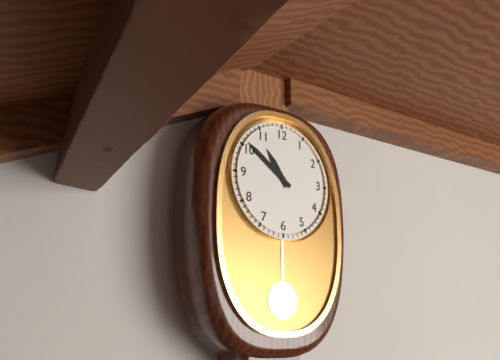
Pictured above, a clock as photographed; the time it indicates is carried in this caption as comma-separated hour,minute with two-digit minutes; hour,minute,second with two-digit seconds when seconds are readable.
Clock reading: 10,51
